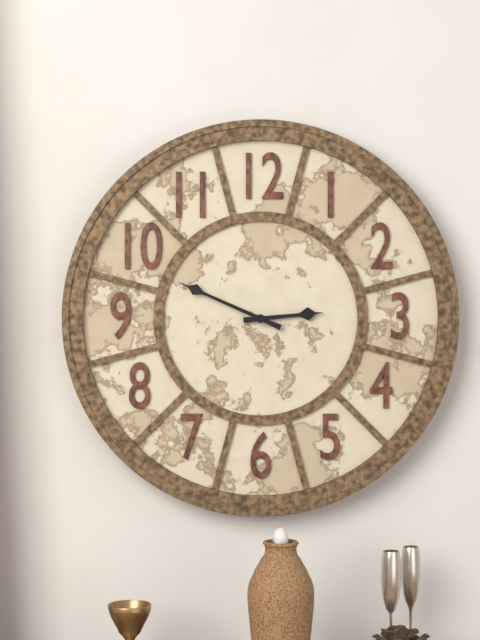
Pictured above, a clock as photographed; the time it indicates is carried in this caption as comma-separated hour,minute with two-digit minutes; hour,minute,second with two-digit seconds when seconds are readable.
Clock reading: 2,49
